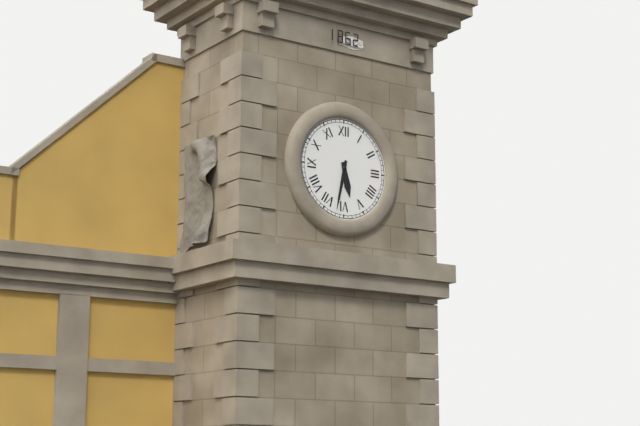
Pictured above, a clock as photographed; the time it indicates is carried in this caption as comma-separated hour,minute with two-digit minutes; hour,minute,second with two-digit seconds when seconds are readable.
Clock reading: 5,32
